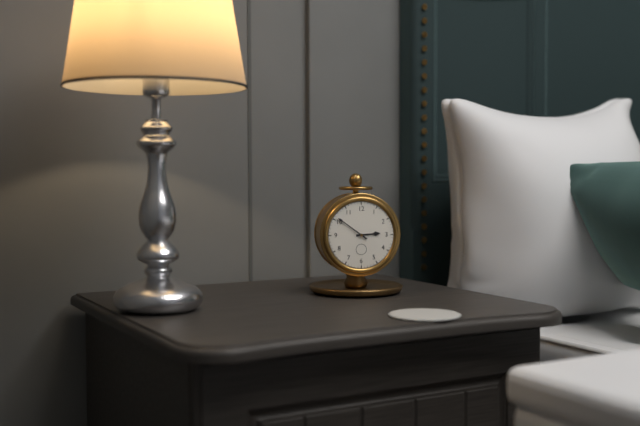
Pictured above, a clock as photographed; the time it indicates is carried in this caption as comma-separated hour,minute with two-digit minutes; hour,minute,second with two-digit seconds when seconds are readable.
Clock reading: 2,51
